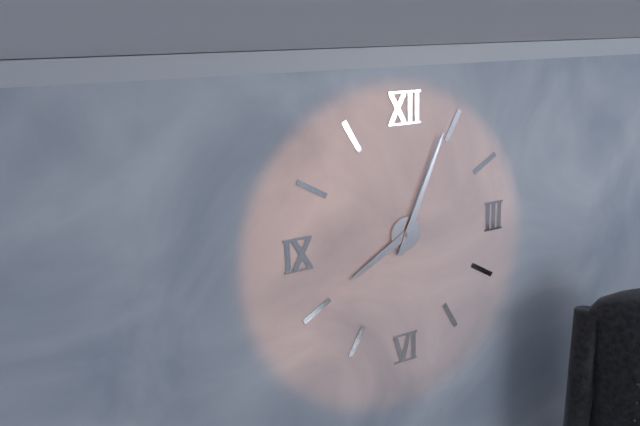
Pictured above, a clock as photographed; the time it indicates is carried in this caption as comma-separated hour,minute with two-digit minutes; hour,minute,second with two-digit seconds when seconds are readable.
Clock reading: 8,04
